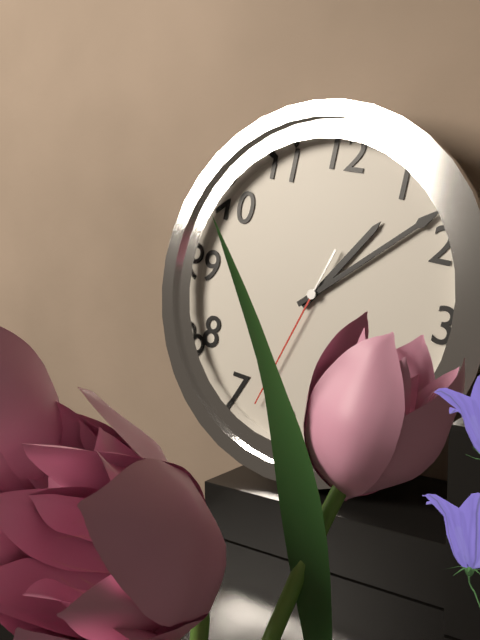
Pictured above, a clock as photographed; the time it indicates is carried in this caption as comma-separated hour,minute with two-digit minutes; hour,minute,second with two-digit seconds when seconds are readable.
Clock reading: 1,08,33
